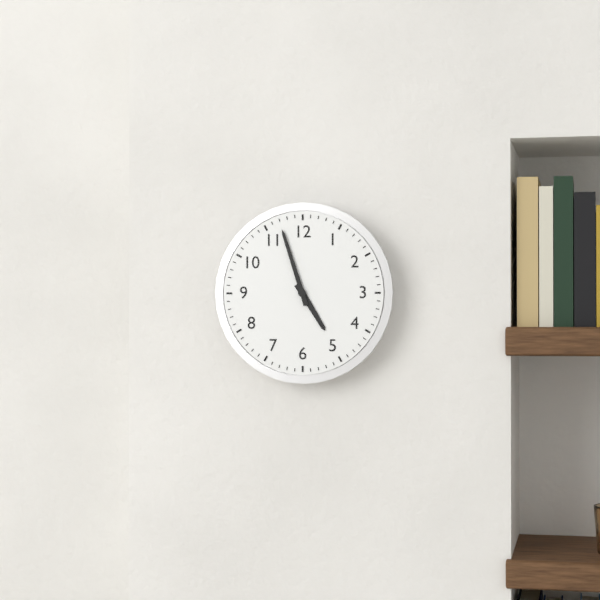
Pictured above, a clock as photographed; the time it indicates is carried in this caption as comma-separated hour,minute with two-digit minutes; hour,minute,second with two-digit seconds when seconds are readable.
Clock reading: 4,57
